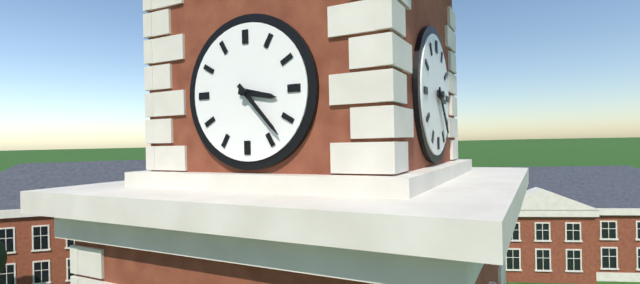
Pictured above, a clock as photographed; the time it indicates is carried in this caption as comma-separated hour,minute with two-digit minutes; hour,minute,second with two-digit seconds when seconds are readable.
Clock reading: 3,23
